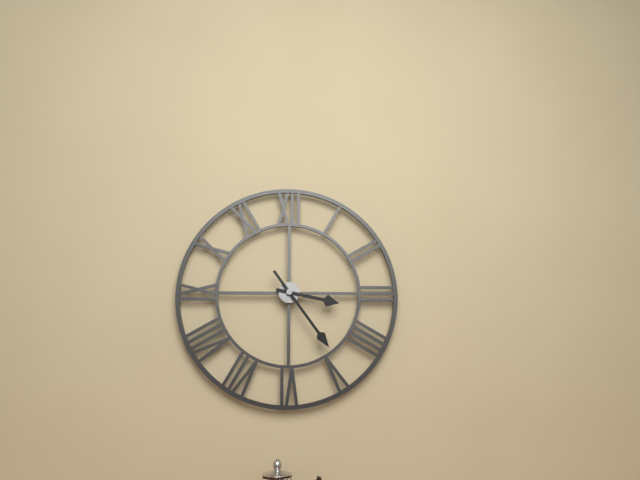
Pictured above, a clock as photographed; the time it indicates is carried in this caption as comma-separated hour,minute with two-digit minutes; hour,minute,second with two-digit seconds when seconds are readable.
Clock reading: 3,24
